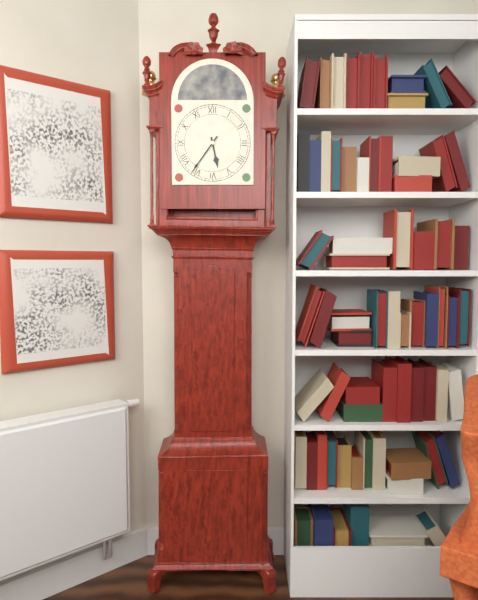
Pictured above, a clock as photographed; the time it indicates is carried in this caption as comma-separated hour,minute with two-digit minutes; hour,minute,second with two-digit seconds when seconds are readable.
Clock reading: 5,36
